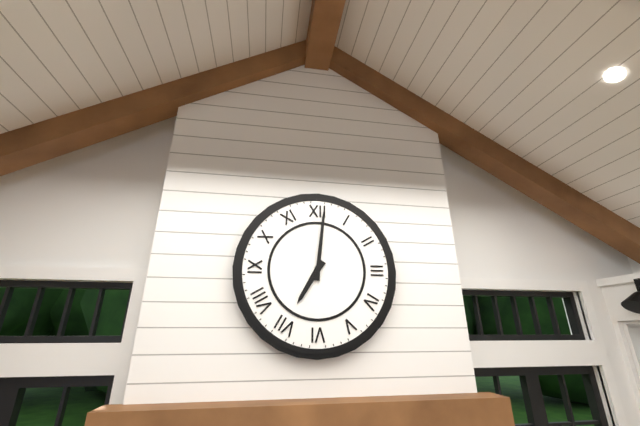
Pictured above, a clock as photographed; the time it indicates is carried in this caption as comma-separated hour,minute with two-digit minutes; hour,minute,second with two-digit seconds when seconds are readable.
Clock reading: 7,01
